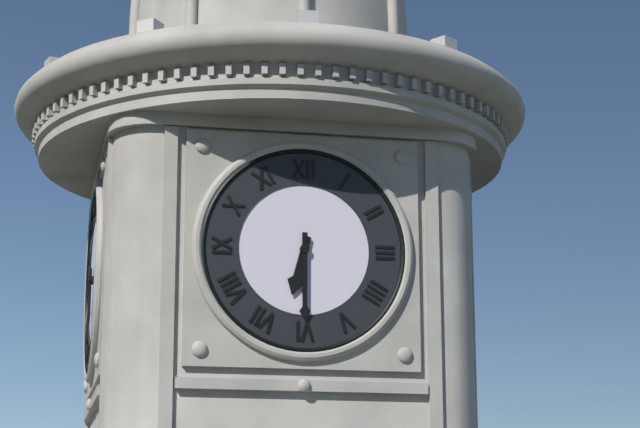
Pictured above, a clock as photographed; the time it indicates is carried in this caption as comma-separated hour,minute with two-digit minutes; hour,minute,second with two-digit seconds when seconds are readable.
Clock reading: 6,30
